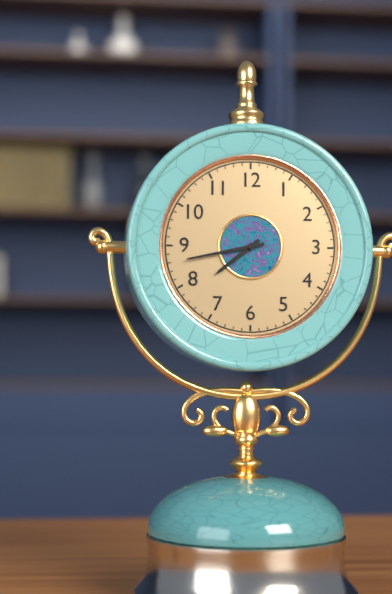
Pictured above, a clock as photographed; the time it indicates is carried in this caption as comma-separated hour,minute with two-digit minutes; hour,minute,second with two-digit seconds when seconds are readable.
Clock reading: 7,43
